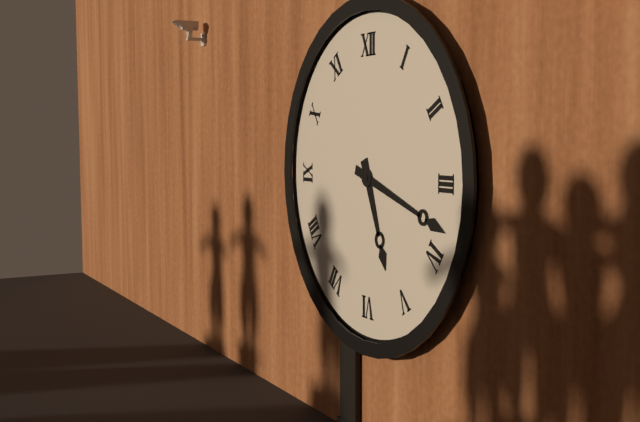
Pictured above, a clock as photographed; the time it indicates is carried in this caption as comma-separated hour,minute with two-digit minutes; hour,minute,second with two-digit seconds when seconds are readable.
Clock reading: 5,18
